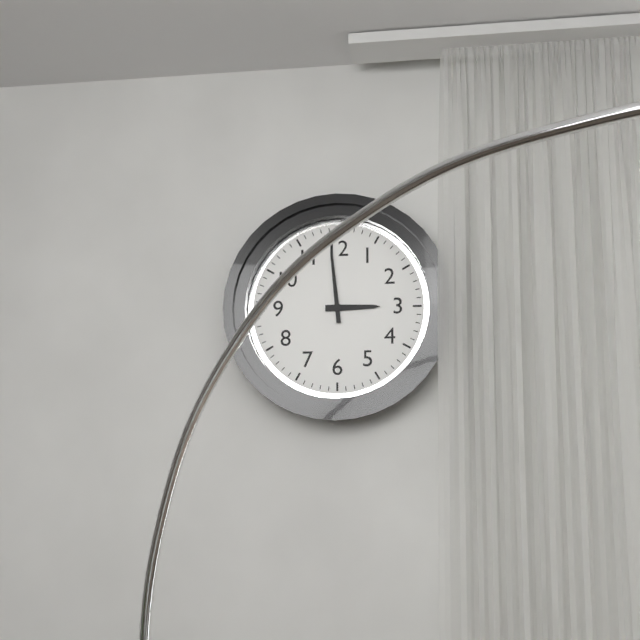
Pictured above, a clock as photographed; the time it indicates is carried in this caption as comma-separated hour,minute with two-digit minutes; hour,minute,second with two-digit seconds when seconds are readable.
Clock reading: 2,59
